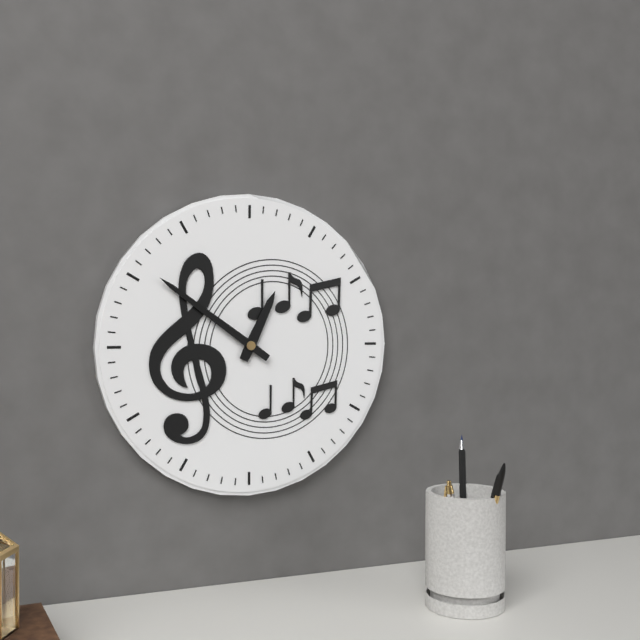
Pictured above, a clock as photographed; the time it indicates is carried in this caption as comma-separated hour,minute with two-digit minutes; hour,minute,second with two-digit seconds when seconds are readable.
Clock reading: 12,51
